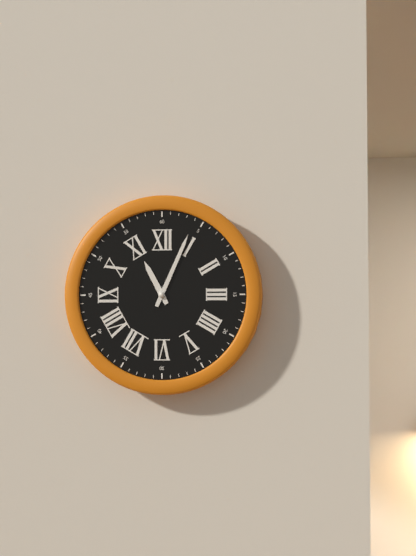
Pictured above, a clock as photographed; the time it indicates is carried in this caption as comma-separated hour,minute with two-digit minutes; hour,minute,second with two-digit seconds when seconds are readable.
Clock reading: 11,04
